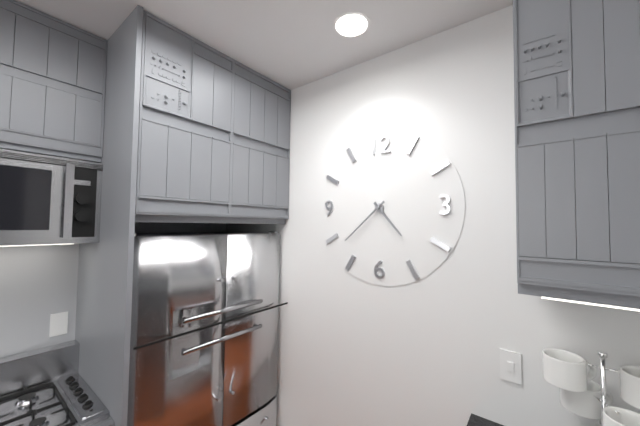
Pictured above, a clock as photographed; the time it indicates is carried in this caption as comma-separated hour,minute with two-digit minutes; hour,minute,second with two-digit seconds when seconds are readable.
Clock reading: 4,38
